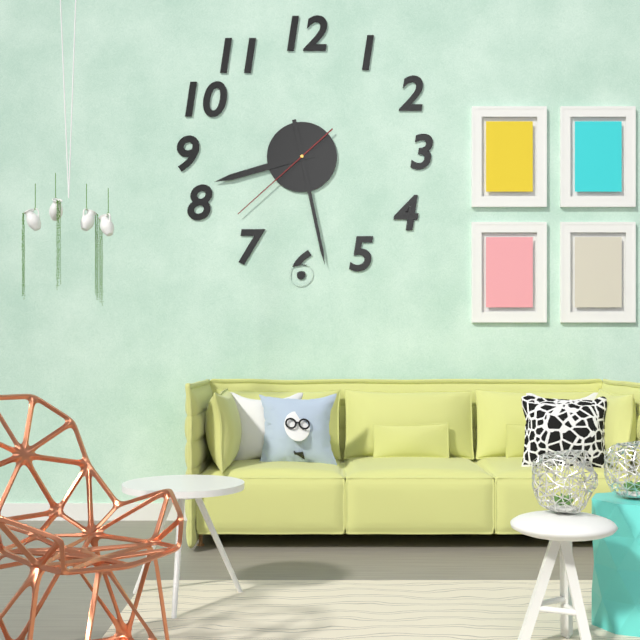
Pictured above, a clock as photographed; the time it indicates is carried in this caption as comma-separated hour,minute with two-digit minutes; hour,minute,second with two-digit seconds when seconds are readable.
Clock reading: 8,28,38
